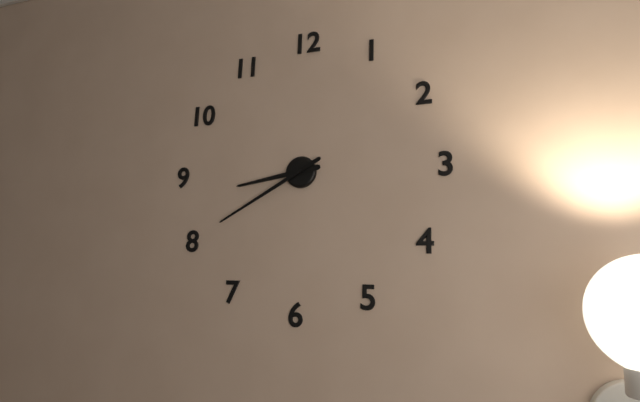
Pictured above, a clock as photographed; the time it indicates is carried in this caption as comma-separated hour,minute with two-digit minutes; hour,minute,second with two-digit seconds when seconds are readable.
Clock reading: 8,40
